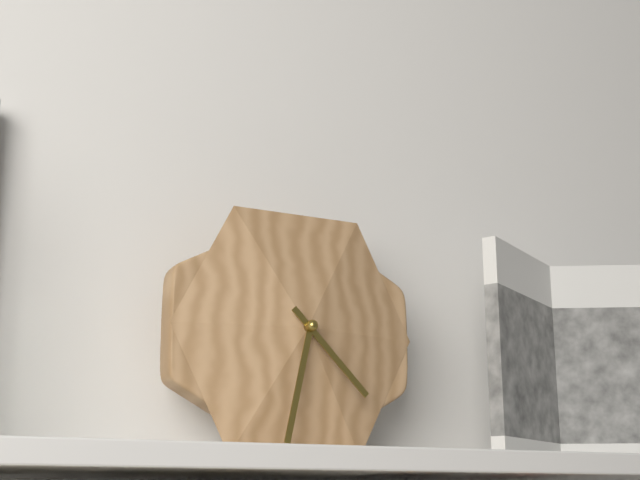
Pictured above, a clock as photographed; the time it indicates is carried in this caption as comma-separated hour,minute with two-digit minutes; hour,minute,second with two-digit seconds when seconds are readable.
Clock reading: 4,32
